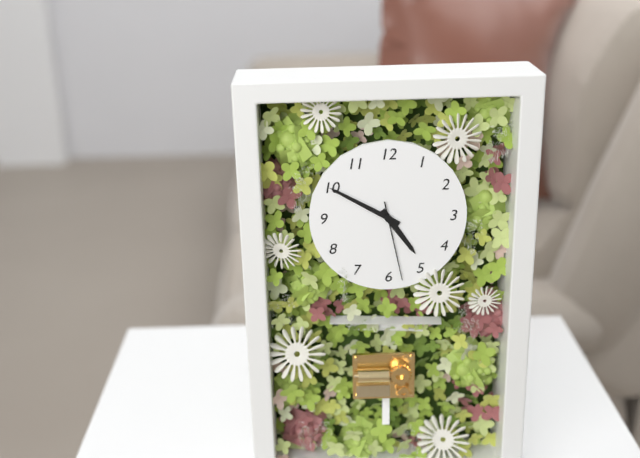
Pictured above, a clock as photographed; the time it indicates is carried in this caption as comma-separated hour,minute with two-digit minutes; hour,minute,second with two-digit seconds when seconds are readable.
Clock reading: 4,50,28
